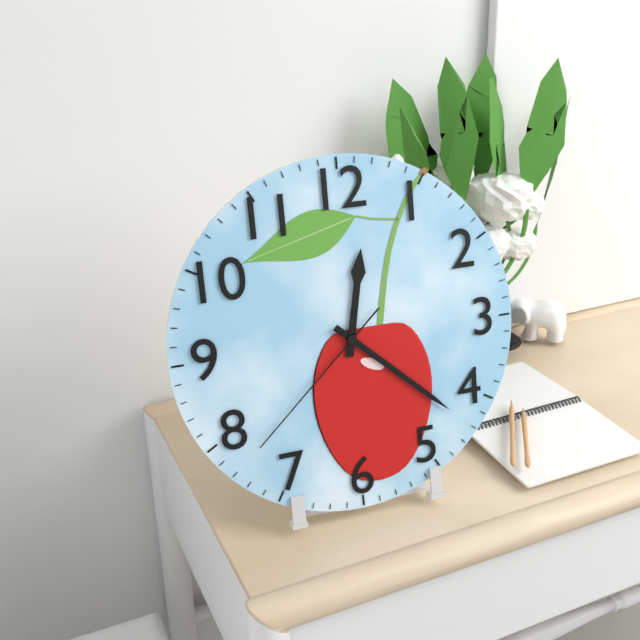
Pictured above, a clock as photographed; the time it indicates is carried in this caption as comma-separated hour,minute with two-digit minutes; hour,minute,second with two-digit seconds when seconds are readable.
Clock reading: 12,22,38
